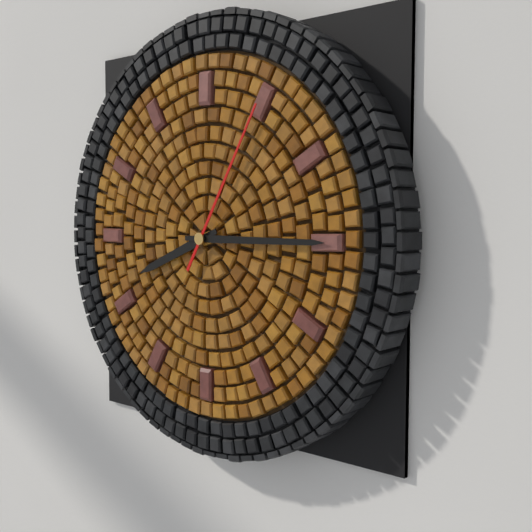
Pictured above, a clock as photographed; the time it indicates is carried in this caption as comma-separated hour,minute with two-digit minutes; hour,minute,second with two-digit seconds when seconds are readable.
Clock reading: 8,15,05
